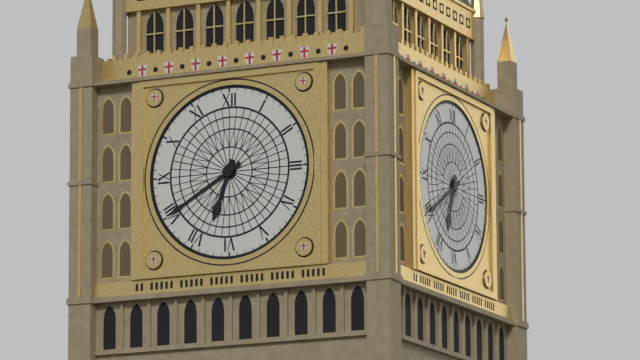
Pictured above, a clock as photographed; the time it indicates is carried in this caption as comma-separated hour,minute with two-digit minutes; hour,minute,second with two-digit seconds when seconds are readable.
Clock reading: 6,40
